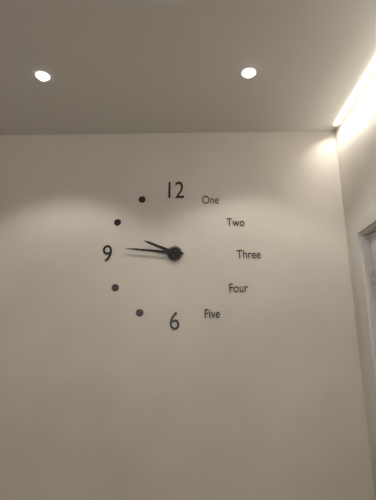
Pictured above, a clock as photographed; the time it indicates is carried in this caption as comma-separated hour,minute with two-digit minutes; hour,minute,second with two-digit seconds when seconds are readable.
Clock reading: 9,46
